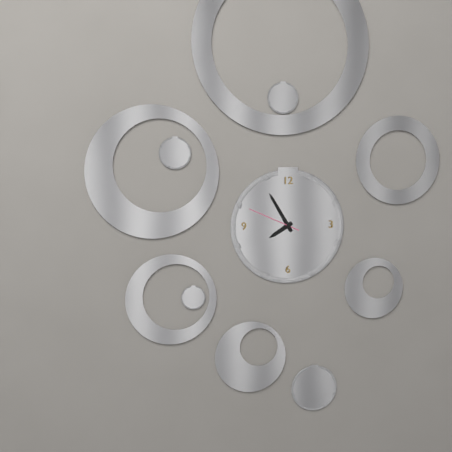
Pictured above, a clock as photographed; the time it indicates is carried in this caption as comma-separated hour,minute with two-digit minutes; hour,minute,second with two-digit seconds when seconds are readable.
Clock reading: 7,55,49
